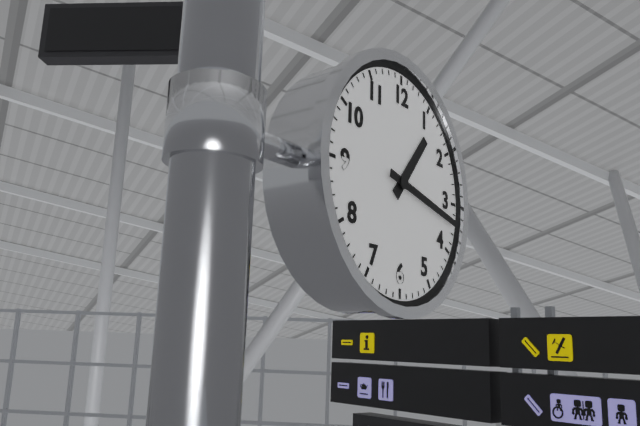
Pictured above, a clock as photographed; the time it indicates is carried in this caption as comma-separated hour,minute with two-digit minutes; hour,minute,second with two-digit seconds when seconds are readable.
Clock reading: 1,17
